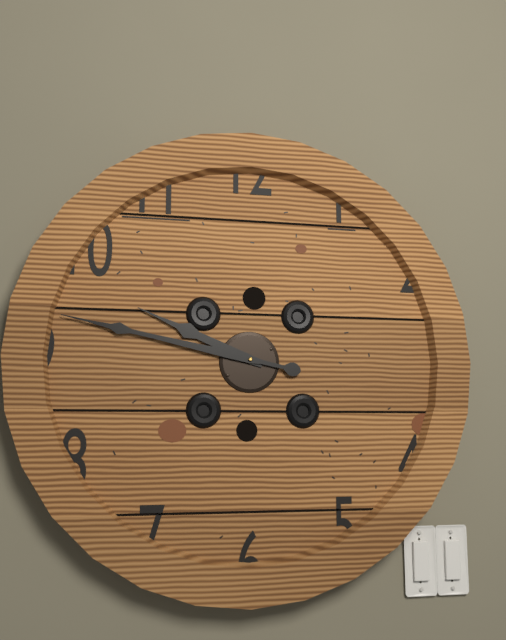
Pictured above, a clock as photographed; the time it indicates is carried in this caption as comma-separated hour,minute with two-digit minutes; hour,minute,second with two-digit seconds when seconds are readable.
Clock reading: 9,47
